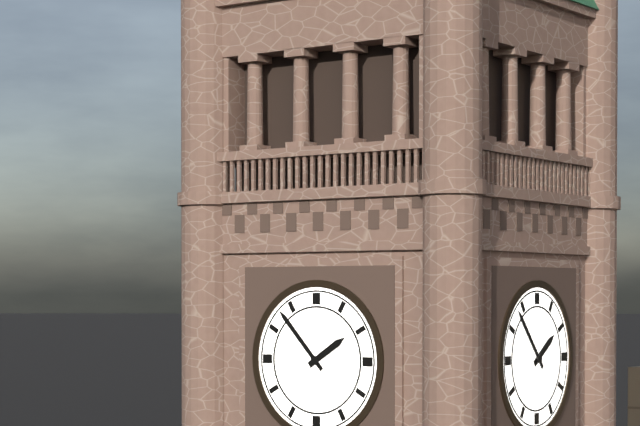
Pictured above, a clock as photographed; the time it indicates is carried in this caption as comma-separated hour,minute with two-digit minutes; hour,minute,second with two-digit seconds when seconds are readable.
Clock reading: 1,53
